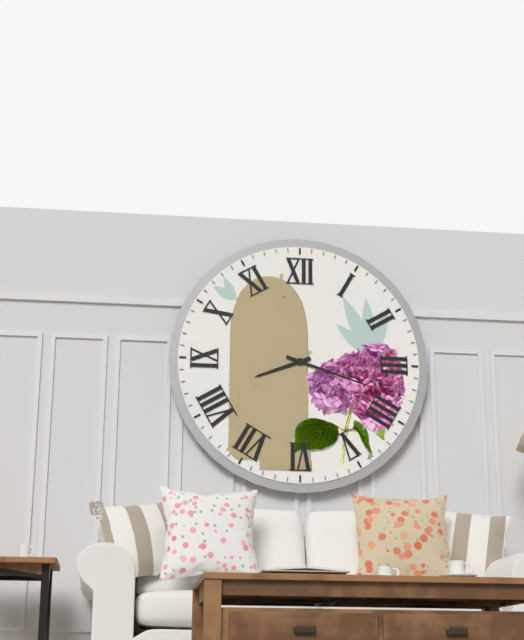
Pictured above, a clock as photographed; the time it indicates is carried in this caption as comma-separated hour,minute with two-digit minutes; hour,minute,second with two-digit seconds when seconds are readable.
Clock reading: 8,18
